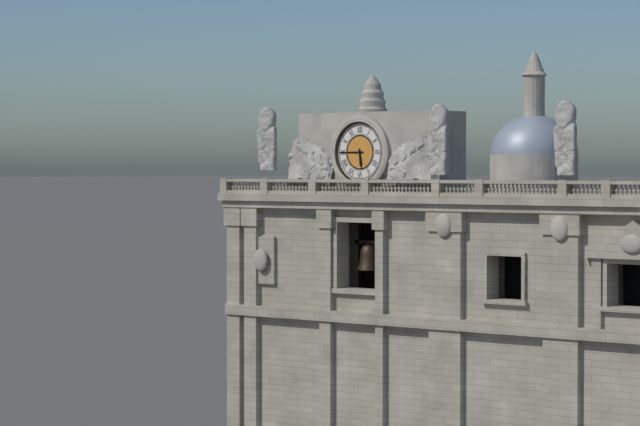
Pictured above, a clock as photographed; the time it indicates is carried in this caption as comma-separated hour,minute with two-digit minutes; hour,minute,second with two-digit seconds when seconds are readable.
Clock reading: 5,45
